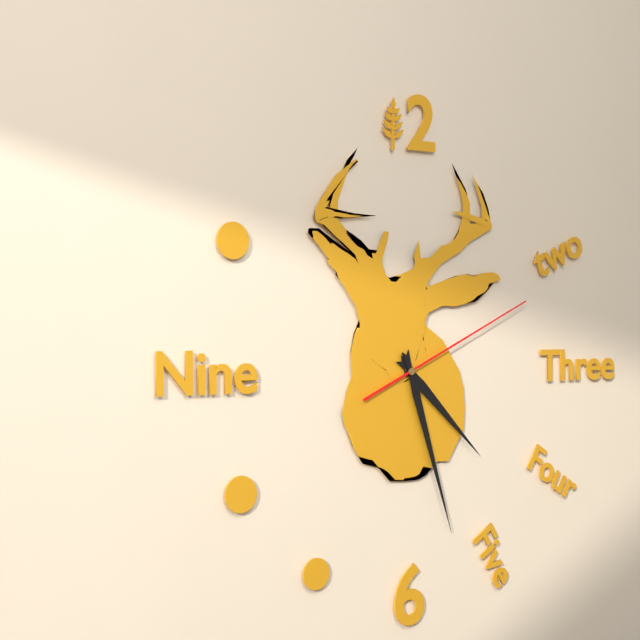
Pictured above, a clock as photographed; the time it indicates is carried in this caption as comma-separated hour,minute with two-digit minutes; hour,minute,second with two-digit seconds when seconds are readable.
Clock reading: 4,27,11
